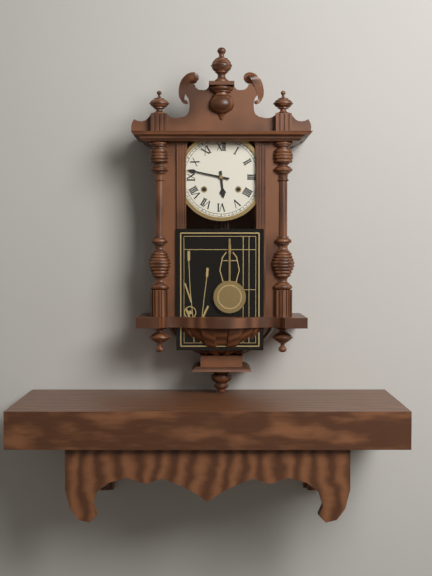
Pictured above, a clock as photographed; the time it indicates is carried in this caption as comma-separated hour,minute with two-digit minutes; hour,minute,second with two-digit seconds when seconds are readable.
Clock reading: 5,47
